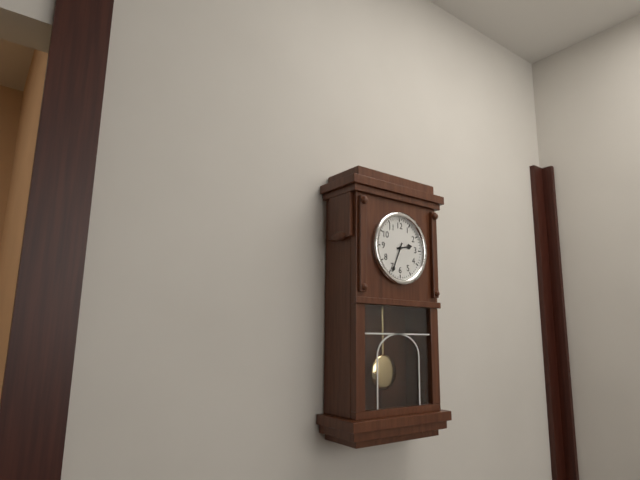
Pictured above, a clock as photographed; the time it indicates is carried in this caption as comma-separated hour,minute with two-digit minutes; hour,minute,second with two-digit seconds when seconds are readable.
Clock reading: 2,34
